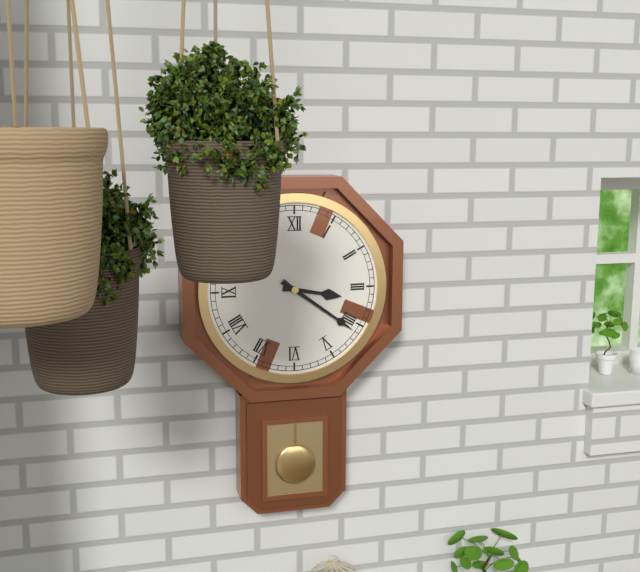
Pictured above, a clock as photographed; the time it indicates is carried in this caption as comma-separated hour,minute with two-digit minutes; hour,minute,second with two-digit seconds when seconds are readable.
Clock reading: 3,21
